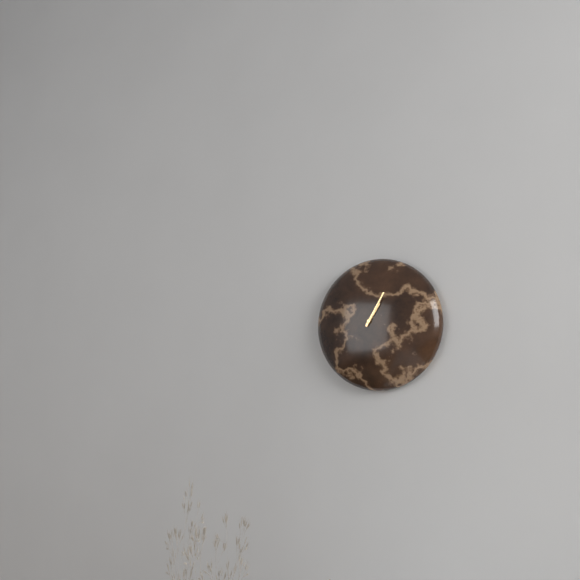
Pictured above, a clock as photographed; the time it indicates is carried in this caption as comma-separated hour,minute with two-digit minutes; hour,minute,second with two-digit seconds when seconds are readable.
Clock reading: 1,05
